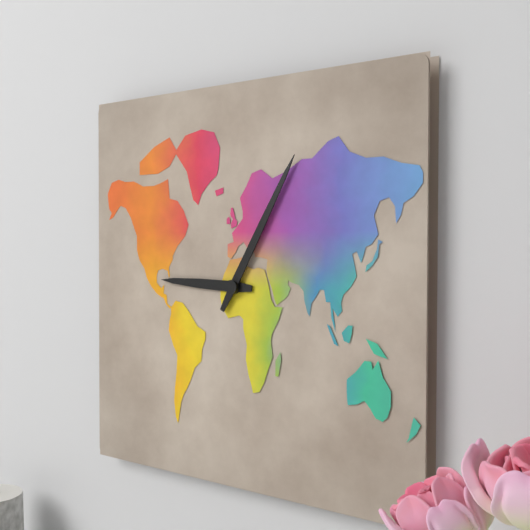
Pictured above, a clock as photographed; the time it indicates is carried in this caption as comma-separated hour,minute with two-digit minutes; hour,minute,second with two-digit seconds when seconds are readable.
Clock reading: 9,05
